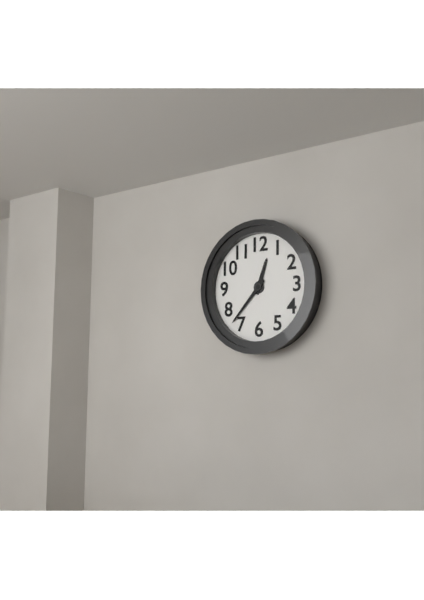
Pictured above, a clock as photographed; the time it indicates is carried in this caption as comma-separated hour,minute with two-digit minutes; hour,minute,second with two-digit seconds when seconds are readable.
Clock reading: 12,37
